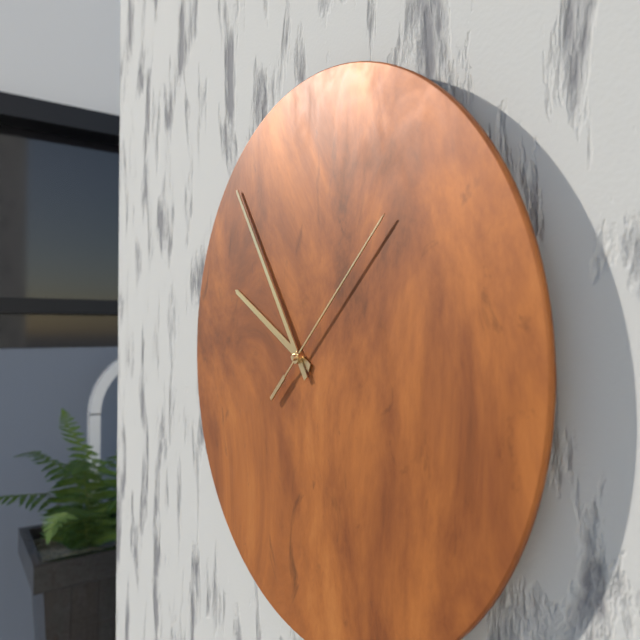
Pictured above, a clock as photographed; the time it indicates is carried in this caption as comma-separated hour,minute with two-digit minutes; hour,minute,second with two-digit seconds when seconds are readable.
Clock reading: 9,54,08
